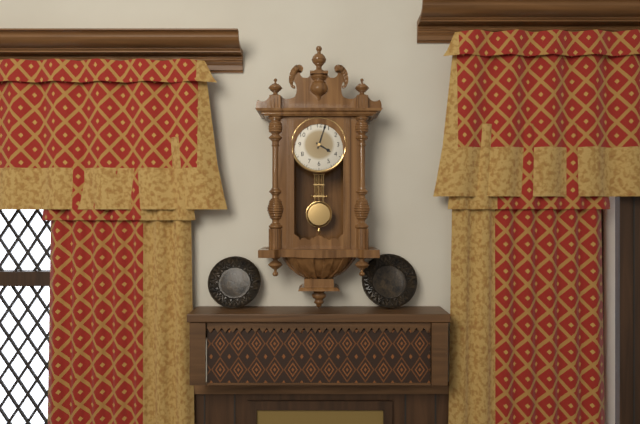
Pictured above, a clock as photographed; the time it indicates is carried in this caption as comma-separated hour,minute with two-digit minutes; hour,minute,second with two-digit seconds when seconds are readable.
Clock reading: 4,03
